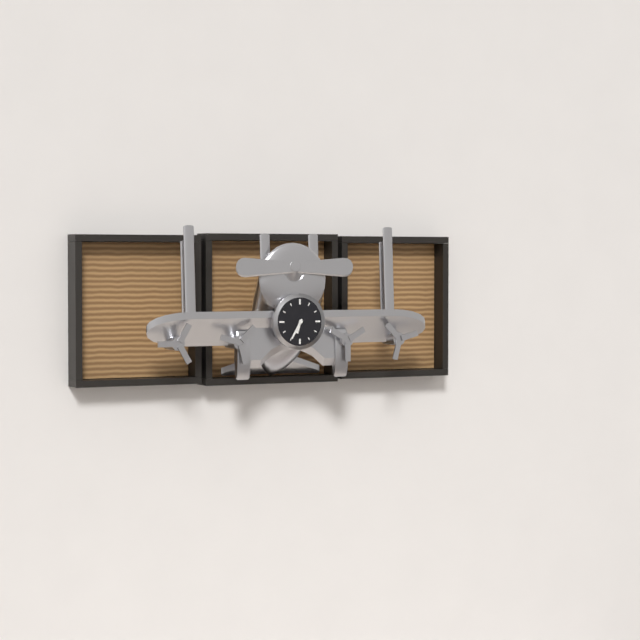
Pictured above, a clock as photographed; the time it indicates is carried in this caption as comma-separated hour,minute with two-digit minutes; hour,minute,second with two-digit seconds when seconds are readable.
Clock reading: 6,35
